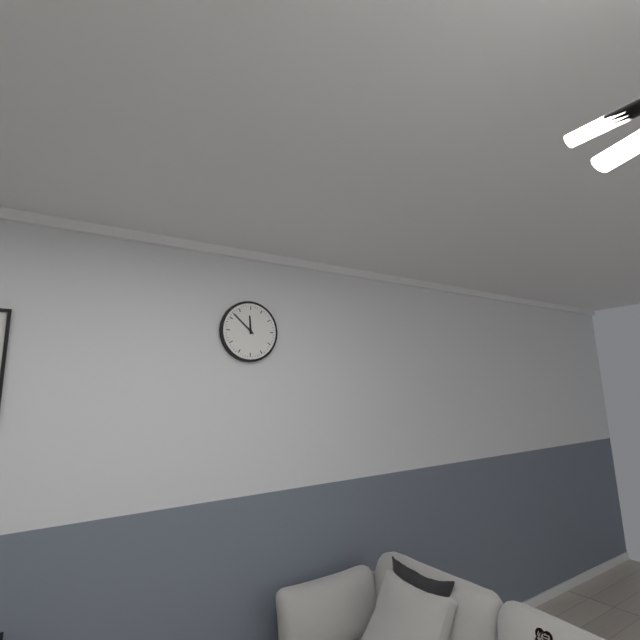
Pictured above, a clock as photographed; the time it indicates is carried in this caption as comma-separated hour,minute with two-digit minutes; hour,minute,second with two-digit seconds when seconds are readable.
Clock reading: 11,52
